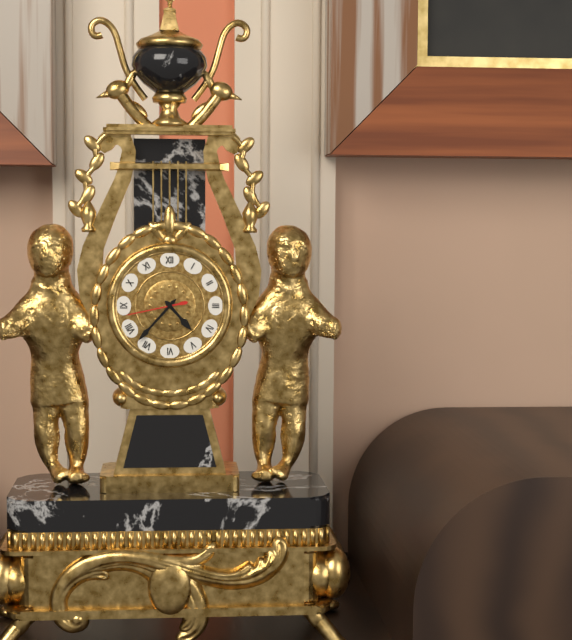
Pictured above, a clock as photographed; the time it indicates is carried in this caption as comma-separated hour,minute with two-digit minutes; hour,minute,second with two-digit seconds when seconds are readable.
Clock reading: 4,37,43
